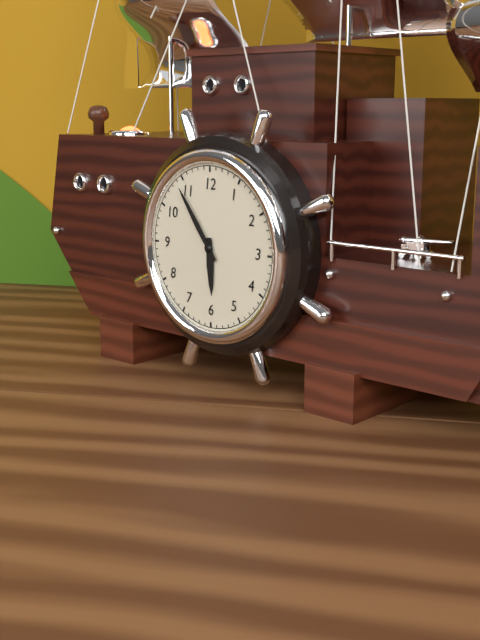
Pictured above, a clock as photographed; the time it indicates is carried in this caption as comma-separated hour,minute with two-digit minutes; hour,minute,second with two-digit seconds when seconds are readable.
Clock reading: 5,54
